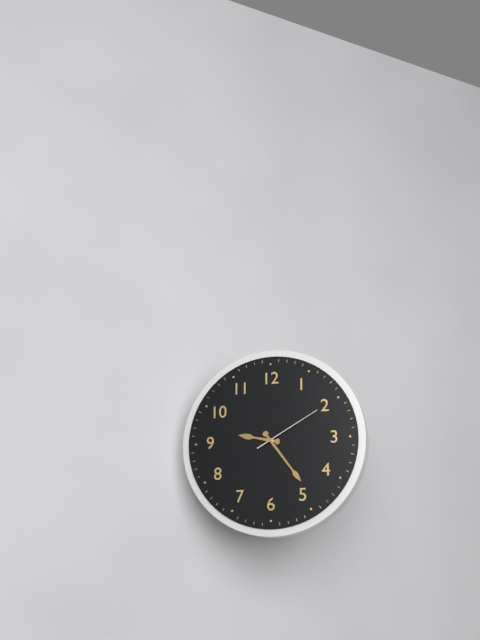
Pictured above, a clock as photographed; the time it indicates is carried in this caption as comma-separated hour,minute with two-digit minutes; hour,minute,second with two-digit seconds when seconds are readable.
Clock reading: 9,24,10
